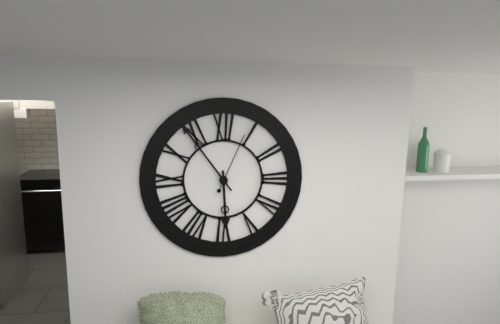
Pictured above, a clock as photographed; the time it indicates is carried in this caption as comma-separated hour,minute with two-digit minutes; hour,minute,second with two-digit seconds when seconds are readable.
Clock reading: 5,54,04
